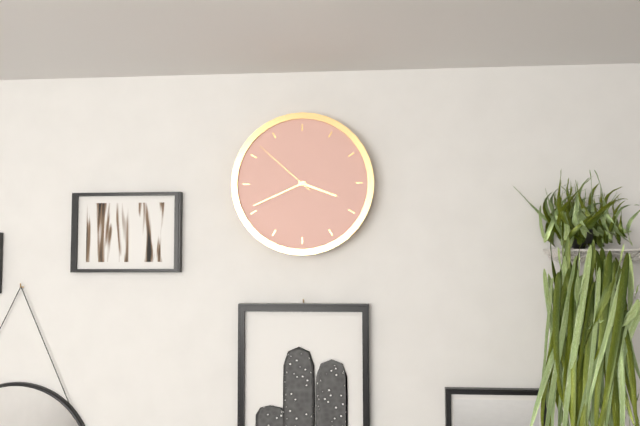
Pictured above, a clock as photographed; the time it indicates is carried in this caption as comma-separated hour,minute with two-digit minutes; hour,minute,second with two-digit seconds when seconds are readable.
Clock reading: 3,41,52
